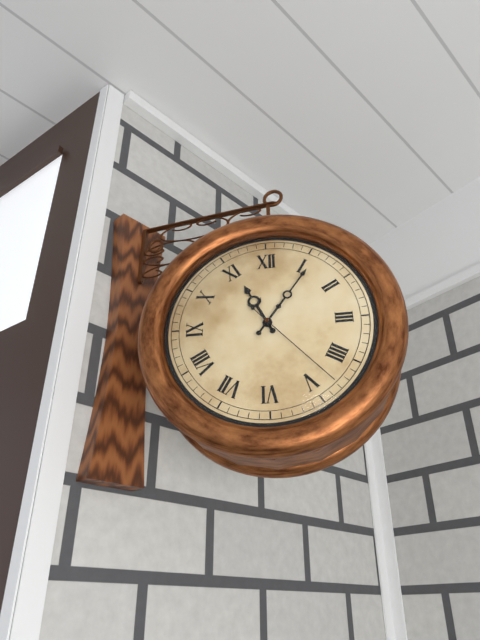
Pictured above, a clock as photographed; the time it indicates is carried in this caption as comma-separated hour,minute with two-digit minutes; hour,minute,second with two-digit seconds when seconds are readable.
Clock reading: 11,06,23
